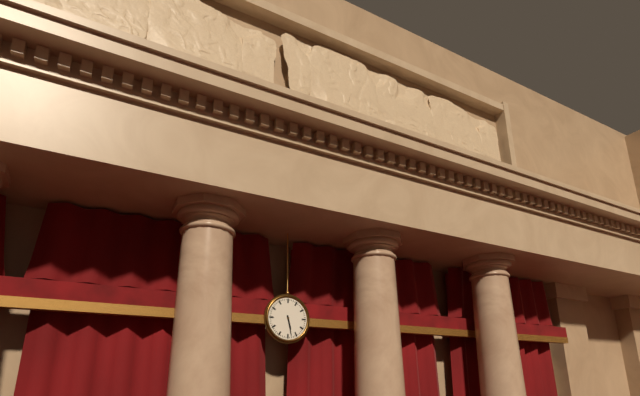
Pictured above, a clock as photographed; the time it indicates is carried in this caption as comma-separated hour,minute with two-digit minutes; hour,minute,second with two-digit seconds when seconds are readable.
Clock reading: 5,28
